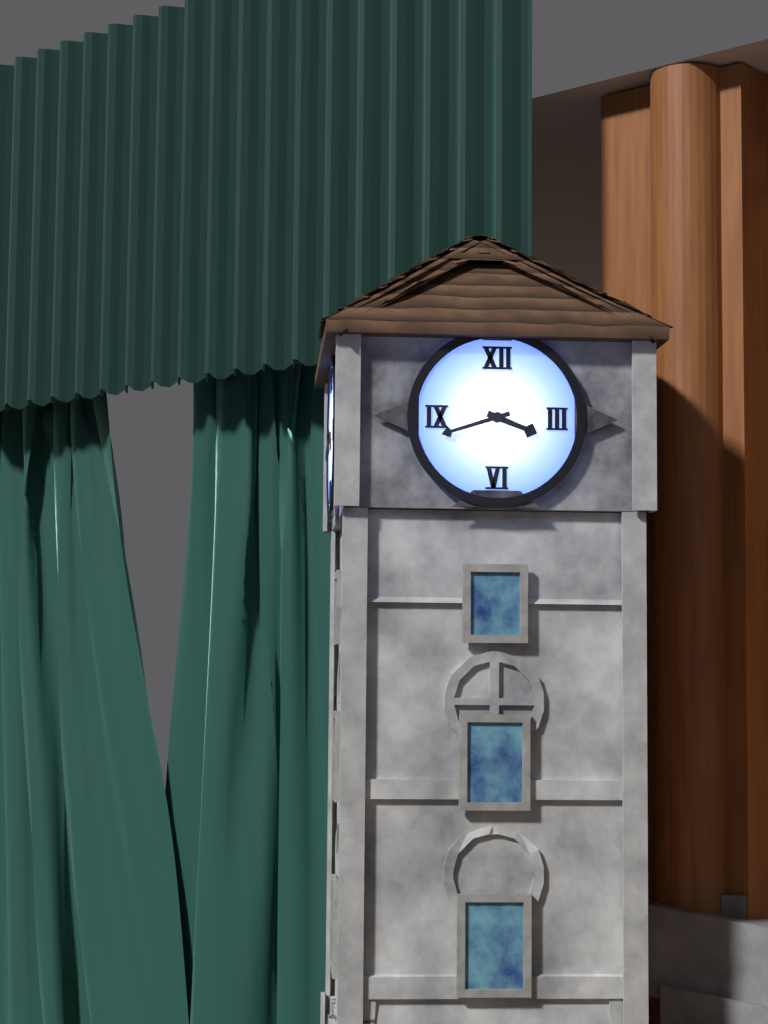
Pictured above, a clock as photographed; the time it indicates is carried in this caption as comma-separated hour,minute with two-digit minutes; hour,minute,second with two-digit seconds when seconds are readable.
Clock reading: 3,42
